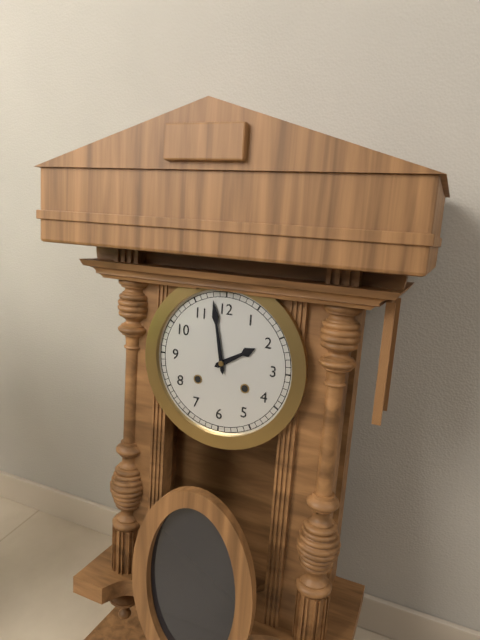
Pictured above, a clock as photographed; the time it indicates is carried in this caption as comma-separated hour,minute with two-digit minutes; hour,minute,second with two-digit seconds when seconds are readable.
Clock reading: 1,58
